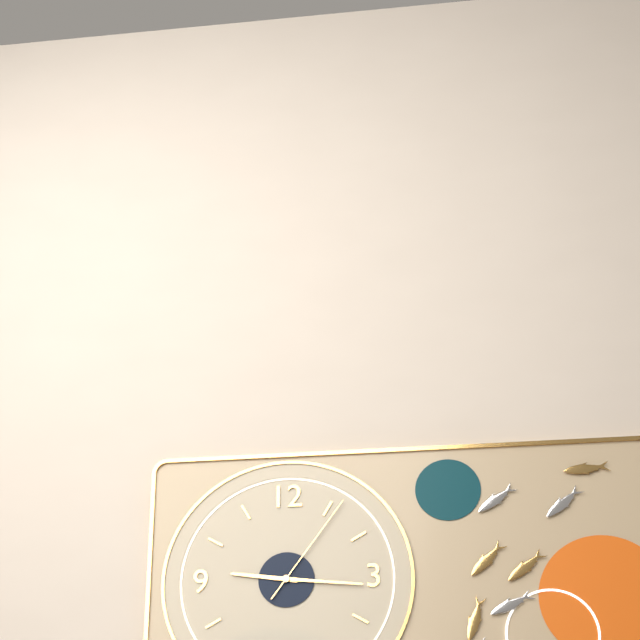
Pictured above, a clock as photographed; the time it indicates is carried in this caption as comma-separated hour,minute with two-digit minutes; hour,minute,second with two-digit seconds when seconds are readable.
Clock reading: 9,16,06
